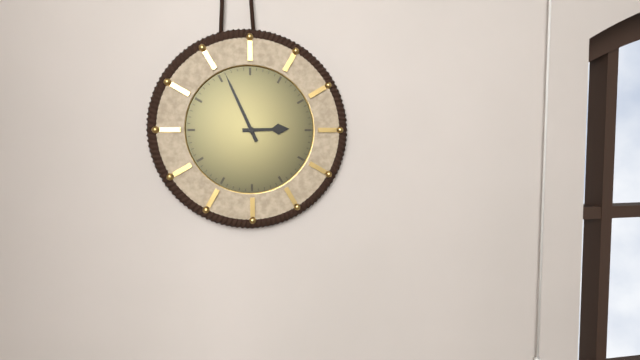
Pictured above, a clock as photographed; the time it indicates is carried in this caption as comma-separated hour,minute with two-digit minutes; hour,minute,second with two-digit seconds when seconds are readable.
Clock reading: 2,56
